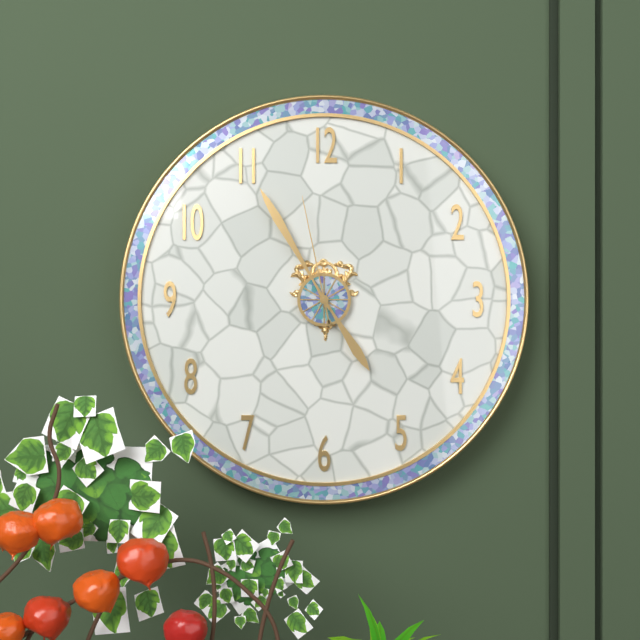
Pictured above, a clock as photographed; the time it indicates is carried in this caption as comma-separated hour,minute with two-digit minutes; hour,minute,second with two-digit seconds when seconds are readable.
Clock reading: 4,55,58
